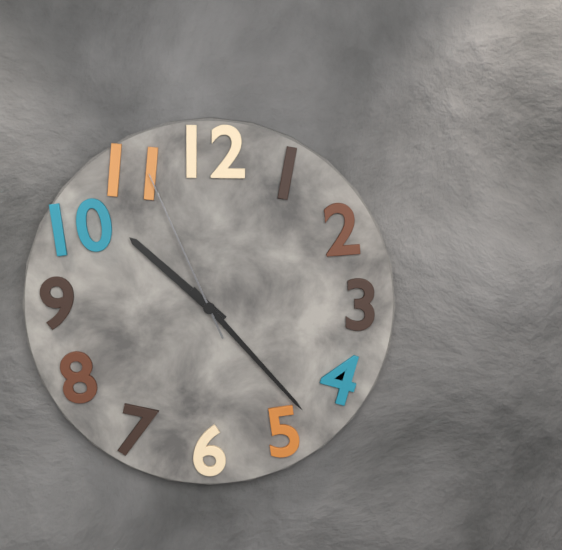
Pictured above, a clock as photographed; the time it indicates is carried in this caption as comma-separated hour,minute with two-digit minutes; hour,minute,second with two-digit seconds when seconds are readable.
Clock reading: 10,23,56
